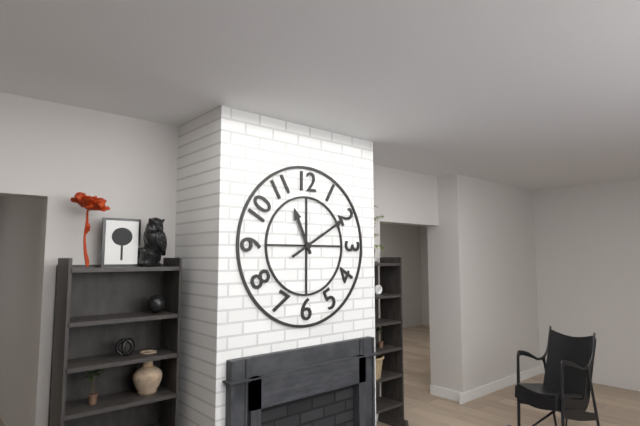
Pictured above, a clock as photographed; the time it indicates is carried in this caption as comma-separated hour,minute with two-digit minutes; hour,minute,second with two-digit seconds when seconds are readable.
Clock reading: 11,10
